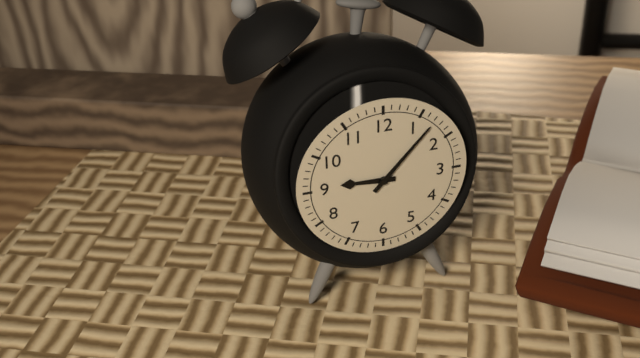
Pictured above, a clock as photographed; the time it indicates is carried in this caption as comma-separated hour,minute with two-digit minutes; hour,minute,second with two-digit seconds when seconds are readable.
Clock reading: 9,07
